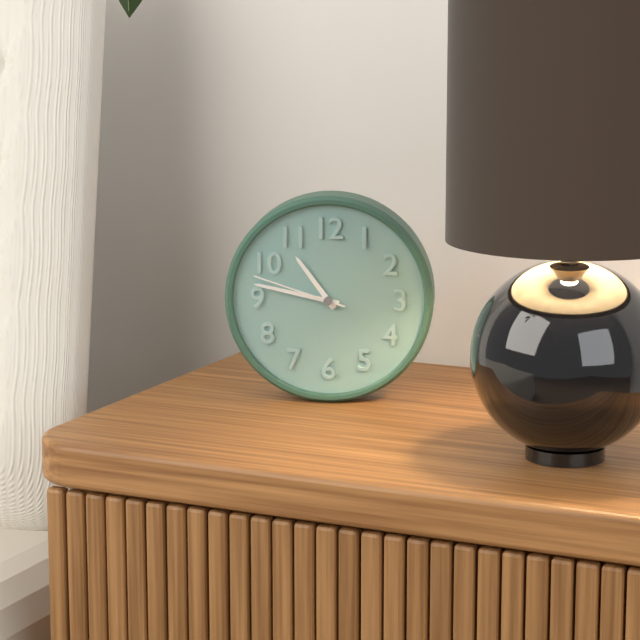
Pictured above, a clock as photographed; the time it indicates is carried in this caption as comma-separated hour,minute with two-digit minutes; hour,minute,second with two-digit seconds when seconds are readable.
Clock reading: 10,47,48
